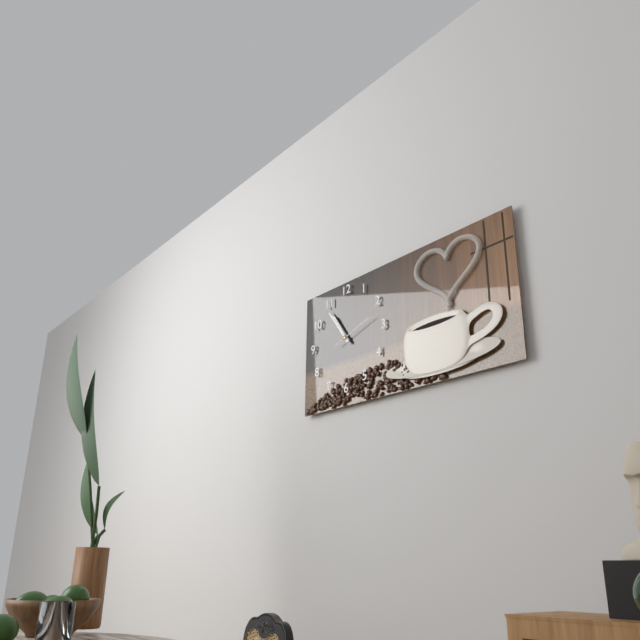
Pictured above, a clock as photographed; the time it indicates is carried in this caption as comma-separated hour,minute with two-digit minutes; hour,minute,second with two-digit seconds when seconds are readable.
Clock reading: 10,54
